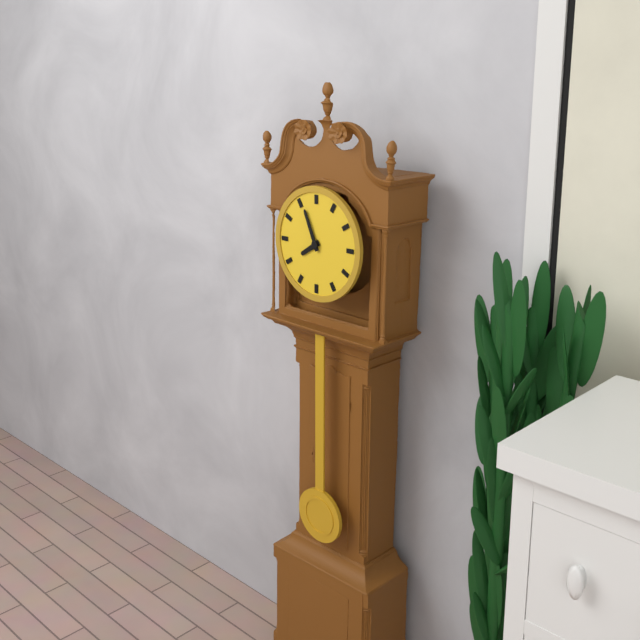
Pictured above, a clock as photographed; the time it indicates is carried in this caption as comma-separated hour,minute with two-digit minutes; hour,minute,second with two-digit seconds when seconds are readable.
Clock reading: 7,56
